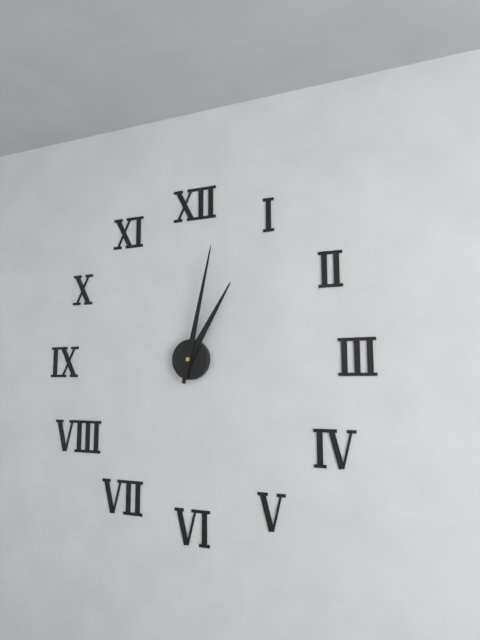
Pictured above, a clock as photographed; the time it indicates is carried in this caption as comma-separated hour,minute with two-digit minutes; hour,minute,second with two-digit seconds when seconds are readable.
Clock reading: 1,02
